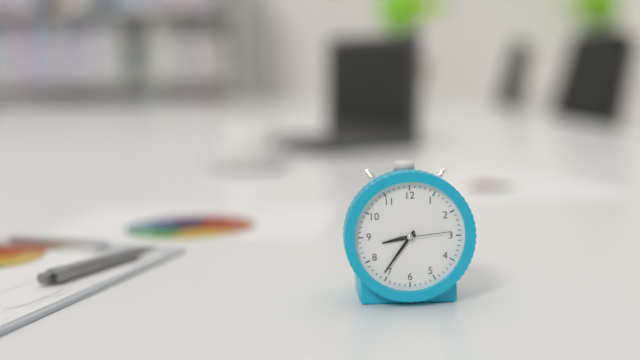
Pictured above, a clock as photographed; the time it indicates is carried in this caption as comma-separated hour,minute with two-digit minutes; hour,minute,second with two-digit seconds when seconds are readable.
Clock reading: 8,36
